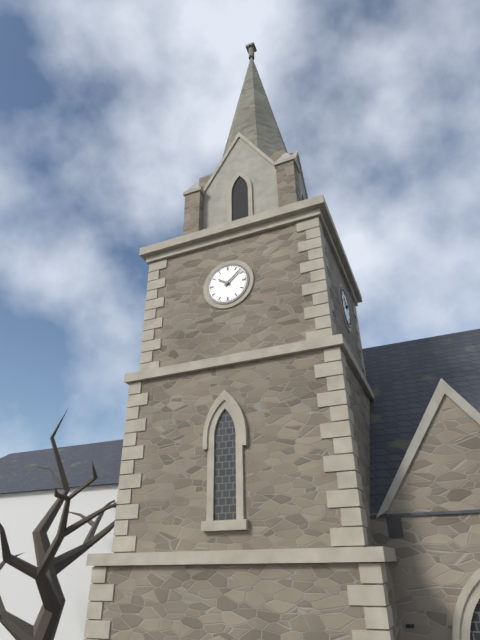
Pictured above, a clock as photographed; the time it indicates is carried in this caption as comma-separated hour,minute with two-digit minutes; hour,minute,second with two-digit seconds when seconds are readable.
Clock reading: 10,08
